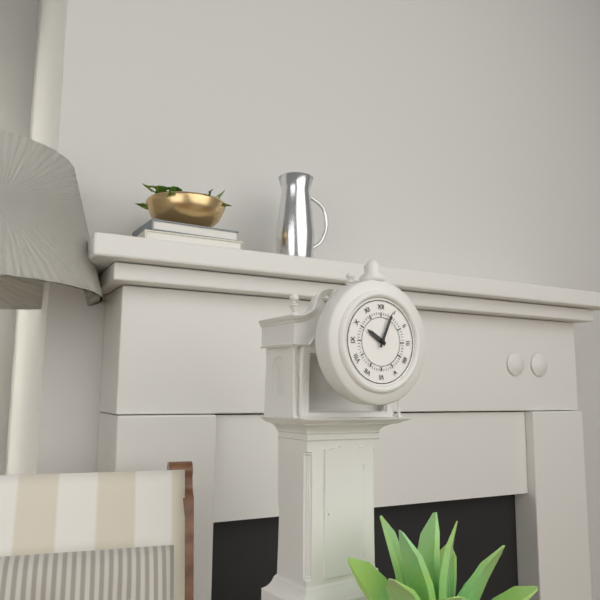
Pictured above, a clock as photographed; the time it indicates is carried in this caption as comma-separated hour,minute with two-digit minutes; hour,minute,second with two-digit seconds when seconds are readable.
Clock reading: 10,04
